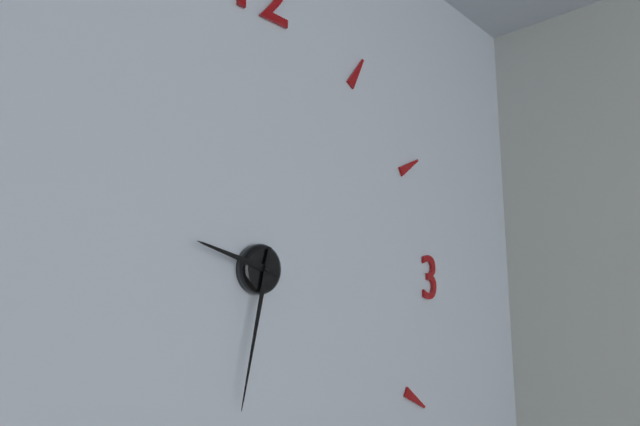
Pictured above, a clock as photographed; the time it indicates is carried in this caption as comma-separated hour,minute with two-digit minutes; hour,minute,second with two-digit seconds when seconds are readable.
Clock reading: 9,32
